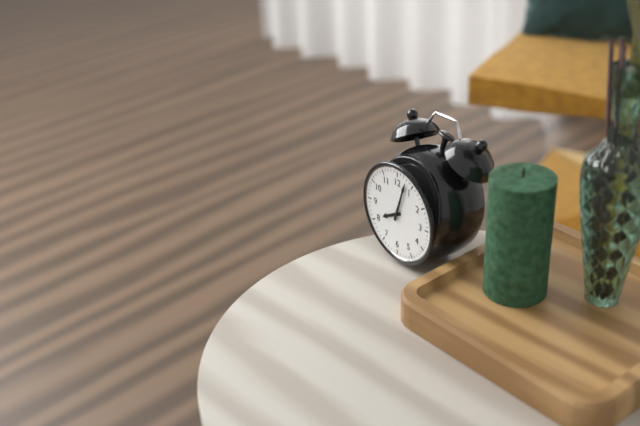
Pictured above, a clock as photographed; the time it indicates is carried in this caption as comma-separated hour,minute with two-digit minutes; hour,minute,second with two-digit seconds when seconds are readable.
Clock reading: 8,03
